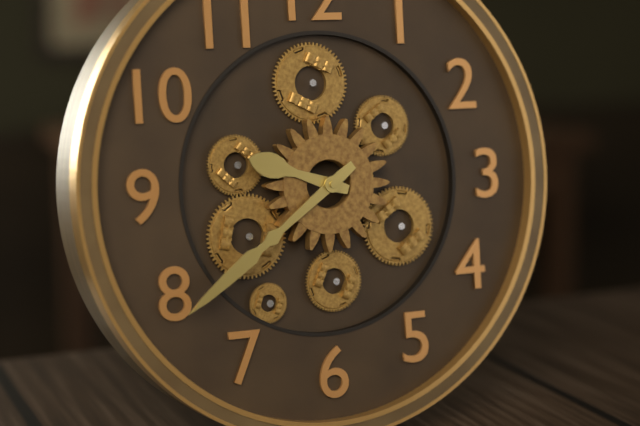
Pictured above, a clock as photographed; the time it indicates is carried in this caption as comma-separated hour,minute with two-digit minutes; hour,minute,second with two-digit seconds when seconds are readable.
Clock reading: 9,39
